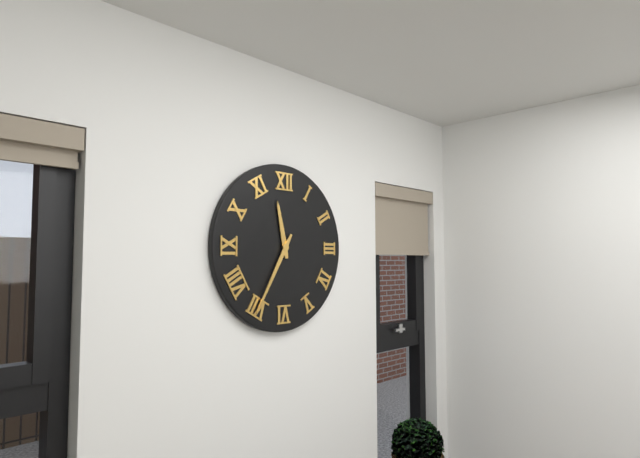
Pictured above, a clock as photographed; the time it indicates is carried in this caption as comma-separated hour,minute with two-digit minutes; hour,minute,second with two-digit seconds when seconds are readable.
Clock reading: 11,35
